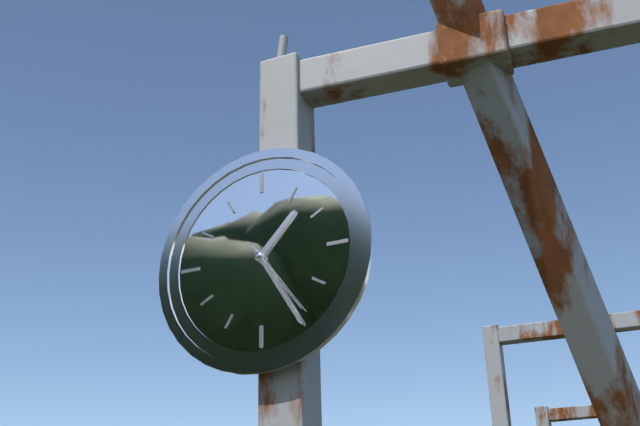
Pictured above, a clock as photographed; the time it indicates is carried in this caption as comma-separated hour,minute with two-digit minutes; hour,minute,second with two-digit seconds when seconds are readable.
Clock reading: 1,25,24
